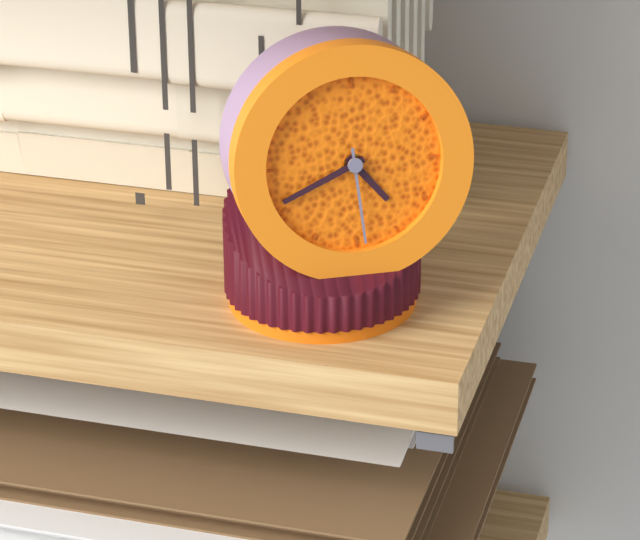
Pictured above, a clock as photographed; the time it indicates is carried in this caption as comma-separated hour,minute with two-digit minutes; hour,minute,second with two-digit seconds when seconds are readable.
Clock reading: 4,41,29
